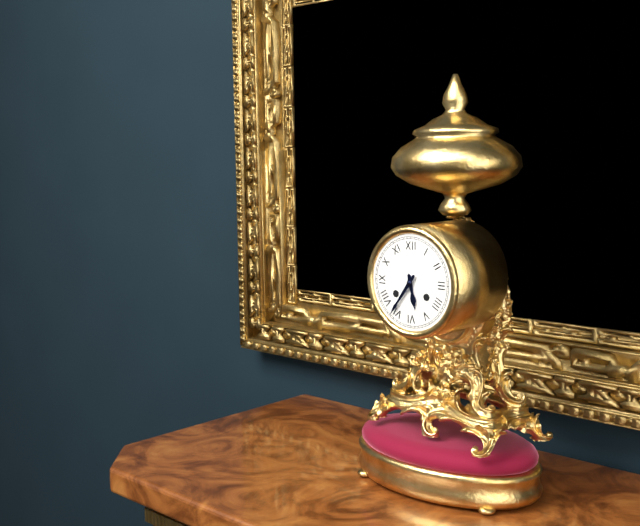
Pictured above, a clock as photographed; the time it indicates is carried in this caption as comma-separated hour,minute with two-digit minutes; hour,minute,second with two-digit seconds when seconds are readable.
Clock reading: 5,36
